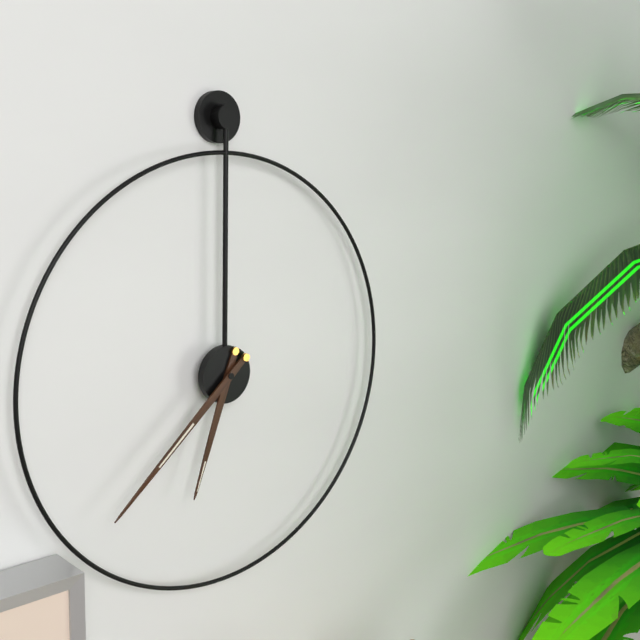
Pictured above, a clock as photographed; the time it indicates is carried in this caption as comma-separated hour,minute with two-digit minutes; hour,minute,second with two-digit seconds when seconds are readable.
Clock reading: 6,38
